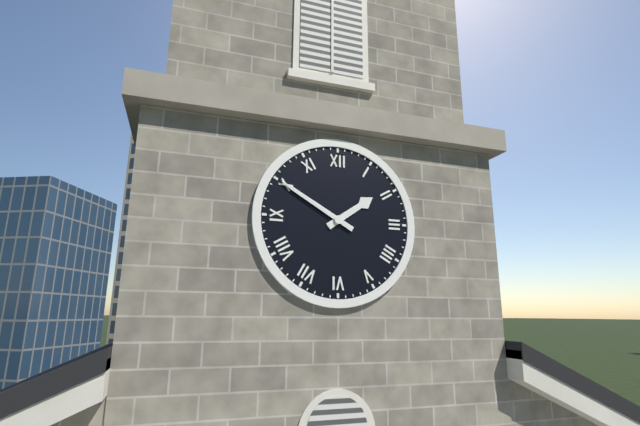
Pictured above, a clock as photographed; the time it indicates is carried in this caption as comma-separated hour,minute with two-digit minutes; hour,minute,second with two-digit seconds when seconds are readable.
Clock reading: 1,50
